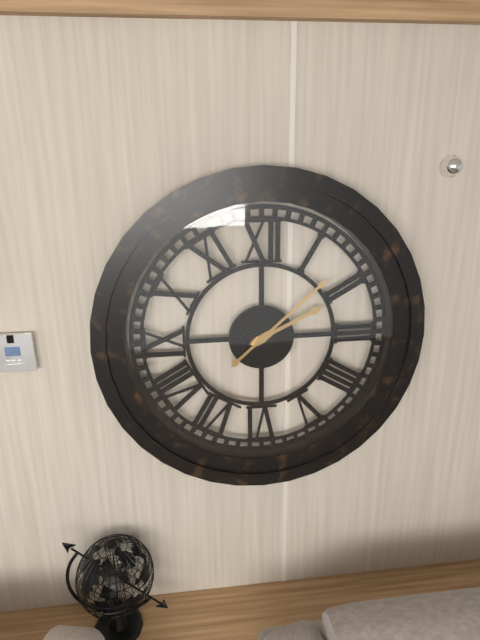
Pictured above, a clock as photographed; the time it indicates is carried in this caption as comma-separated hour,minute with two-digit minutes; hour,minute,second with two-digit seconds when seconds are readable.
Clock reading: 2,08
